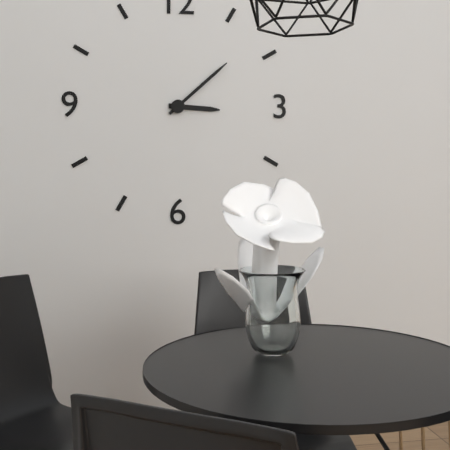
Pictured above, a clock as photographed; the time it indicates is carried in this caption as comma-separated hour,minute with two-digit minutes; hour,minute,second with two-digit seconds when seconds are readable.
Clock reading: 3,08
